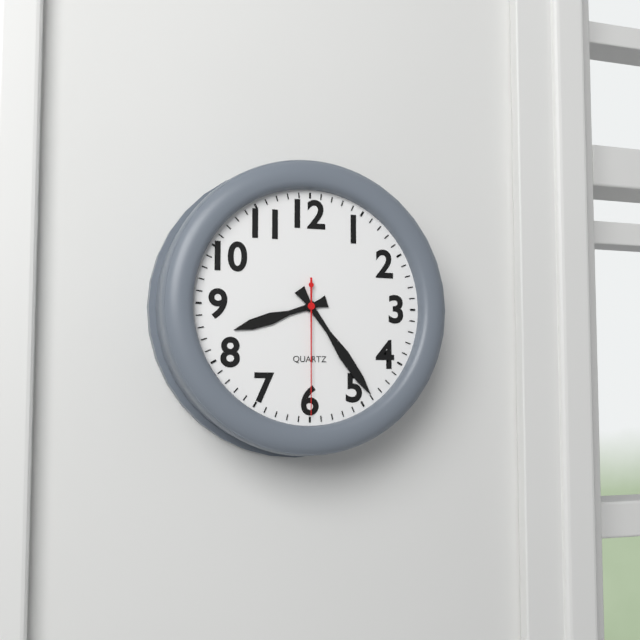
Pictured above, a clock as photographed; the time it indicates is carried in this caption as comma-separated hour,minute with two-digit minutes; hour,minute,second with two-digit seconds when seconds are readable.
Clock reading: 8,24,30
